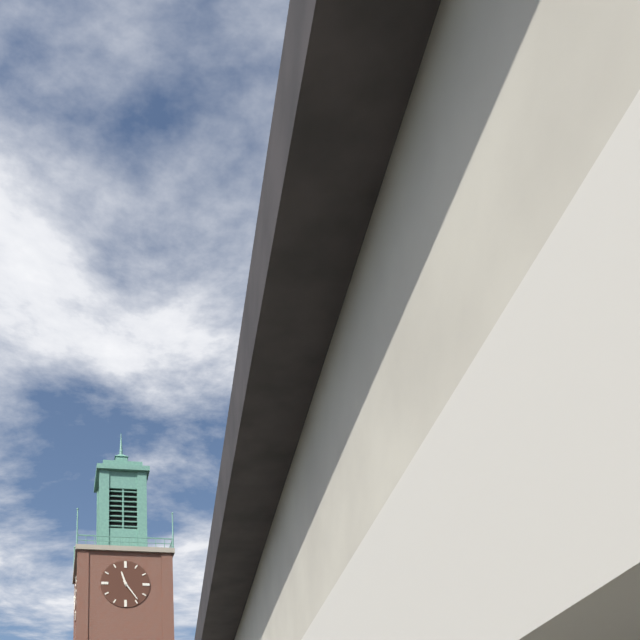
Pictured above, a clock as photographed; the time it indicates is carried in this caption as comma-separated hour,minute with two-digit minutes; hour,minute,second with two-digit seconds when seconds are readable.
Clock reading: 11,24
